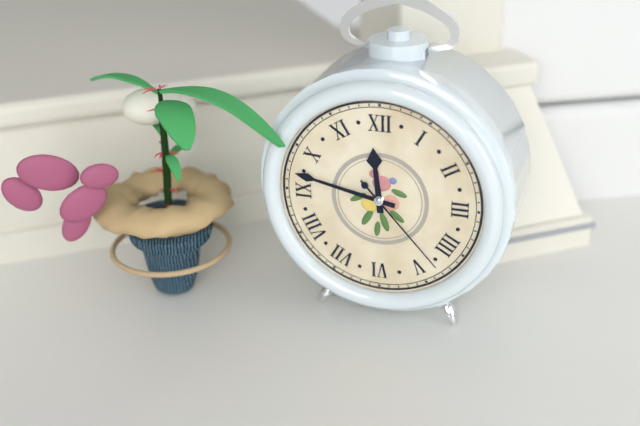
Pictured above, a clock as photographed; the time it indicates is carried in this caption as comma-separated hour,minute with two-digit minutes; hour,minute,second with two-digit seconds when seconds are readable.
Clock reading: 11,47,23
